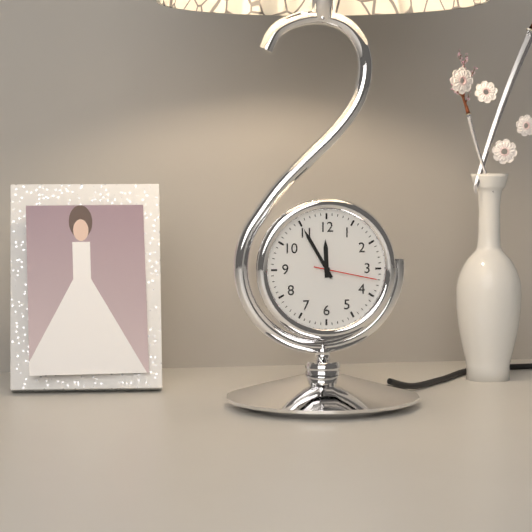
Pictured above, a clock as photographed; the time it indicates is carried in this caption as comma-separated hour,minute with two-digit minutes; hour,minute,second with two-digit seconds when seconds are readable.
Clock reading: 11,55,17
